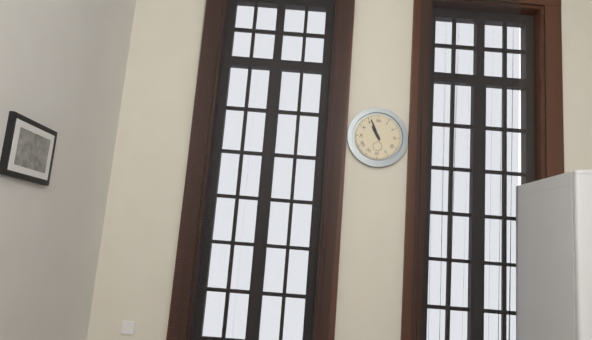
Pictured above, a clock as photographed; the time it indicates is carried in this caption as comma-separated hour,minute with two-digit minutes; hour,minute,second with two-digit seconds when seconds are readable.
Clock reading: 10,56
